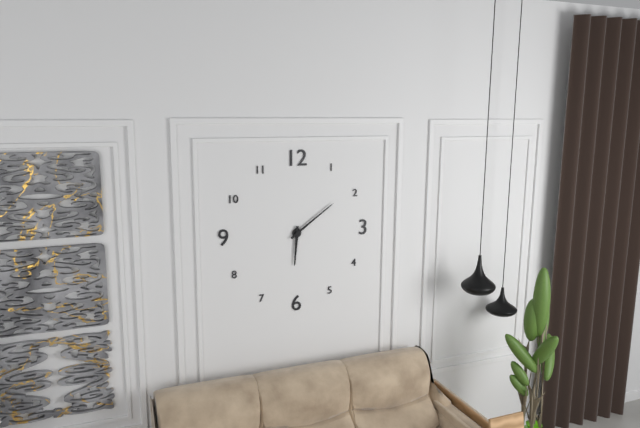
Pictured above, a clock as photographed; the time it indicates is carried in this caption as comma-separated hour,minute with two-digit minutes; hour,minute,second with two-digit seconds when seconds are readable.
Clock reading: 6,09
